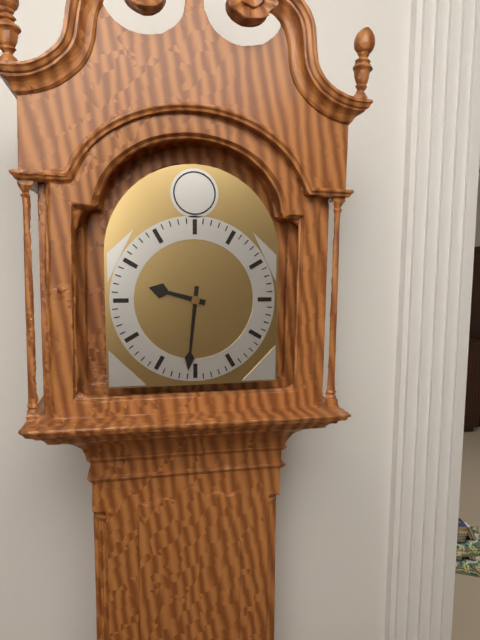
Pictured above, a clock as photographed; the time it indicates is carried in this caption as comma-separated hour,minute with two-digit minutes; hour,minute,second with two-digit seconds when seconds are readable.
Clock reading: 9,31
